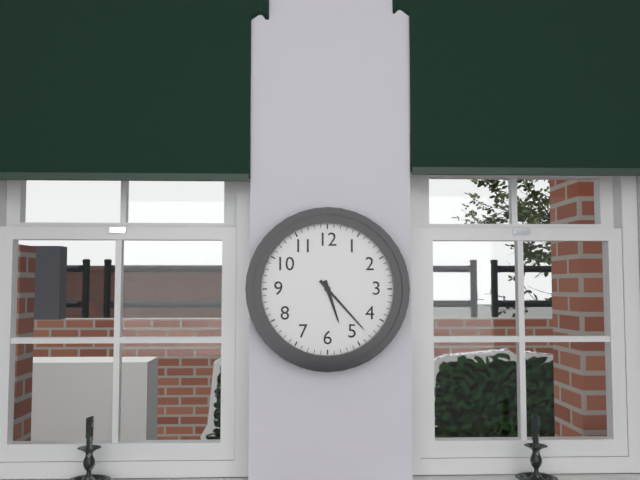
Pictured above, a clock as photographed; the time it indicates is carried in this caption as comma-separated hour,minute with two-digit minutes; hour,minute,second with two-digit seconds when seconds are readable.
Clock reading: 5,23
